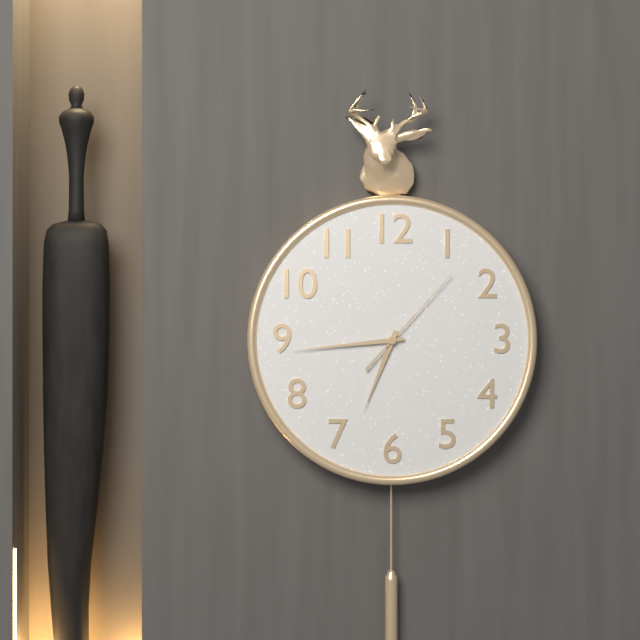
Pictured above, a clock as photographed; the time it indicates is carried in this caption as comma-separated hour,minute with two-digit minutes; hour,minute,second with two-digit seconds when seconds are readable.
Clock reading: 6,44,07
